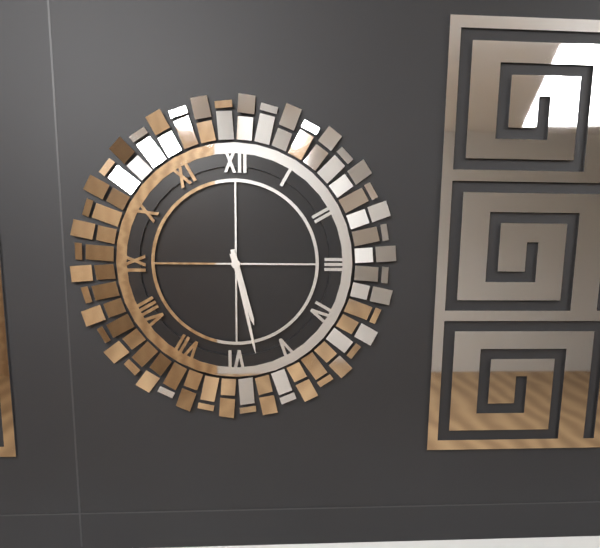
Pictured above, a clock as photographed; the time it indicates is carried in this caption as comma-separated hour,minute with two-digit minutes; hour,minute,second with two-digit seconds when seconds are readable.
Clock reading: 5,28
